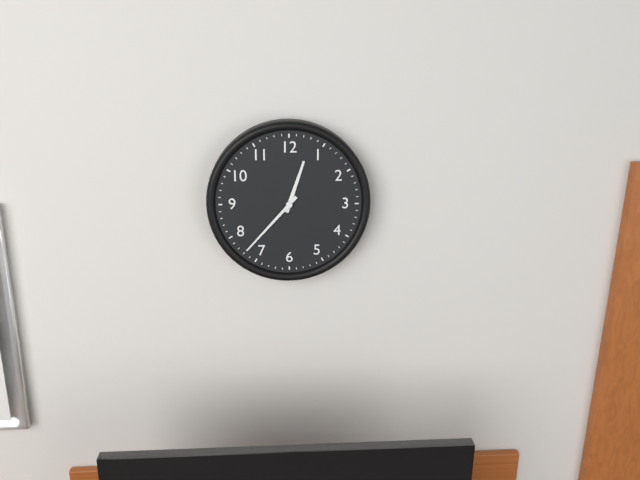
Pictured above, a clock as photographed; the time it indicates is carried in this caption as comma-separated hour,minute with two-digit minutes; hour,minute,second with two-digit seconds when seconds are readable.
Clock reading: 12,37
